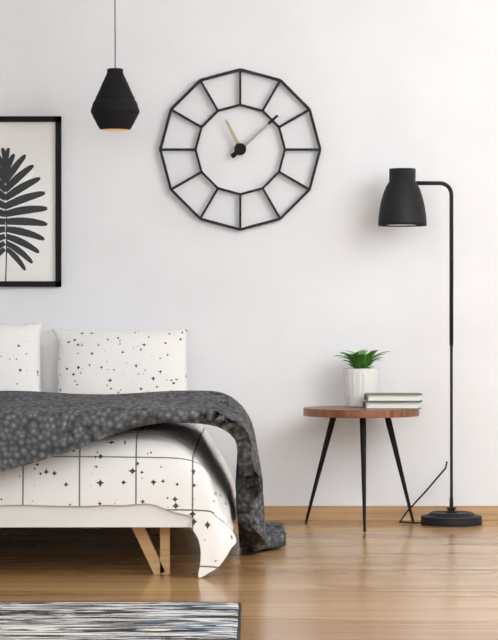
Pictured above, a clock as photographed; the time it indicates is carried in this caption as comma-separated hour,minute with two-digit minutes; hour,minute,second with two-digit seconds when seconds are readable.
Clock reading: 11,08
